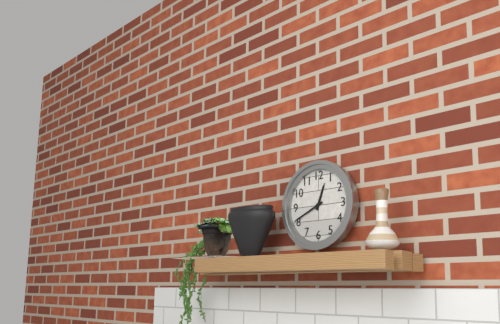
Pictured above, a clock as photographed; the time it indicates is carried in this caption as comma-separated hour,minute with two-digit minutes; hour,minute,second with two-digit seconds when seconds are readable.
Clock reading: 12,41
